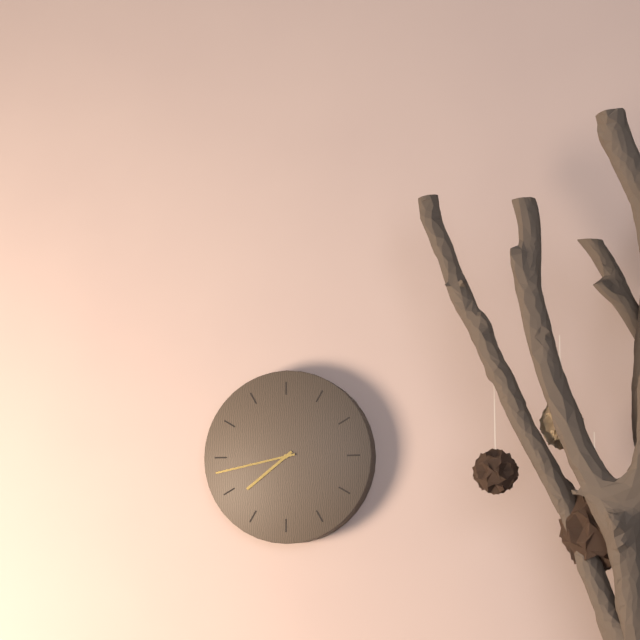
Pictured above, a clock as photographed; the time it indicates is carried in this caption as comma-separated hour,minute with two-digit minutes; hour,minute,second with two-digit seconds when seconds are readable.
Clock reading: 7,43
